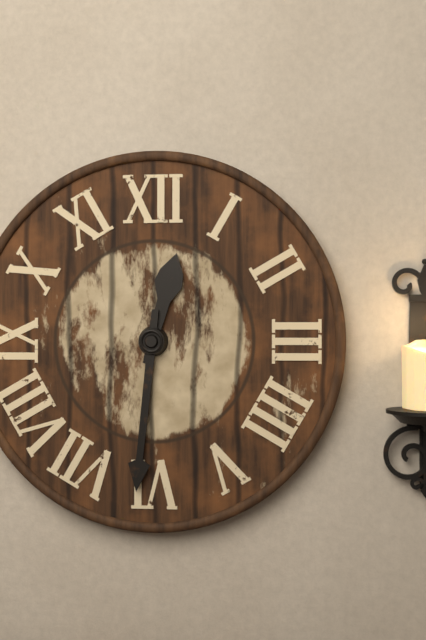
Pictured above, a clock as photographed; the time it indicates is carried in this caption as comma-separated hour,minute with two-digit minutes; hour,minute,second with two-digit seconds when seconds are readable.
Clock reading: 12,31
